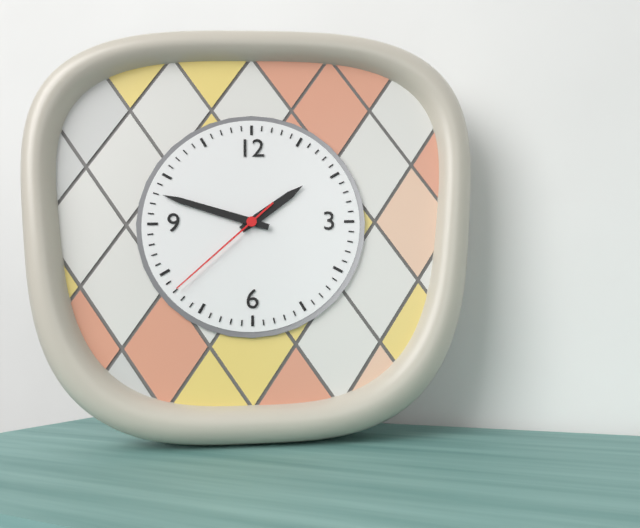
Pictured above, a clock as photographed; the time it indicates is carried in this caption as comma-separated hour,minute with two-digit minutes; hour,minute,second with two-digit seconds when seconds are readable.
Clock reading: 1,48,38
